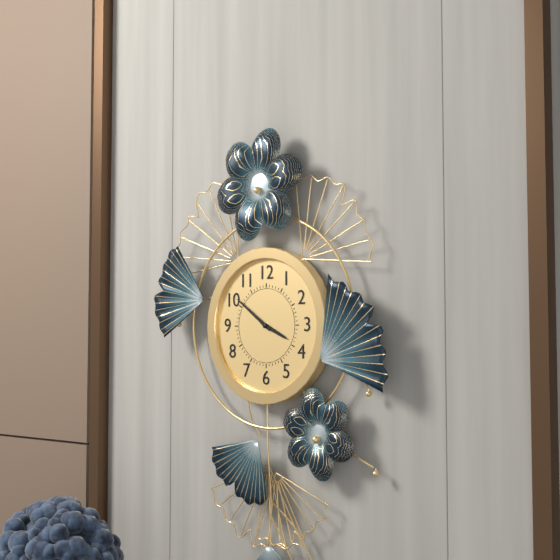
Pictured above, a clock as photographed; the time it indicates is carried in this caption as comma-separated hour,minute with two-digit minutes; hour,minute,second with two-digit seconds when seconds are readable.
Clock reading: 3,51
